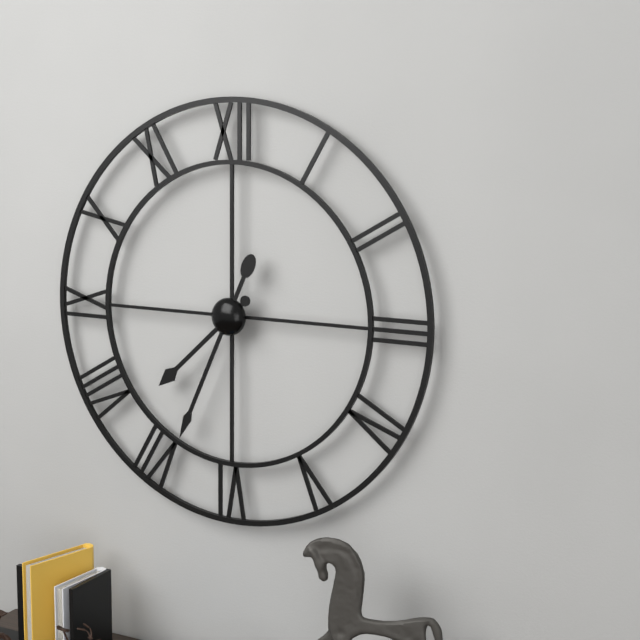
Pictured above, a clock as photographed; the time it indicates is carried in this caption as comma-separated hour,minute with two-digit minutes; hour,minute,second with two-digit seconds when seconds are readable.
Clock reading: 7,34
